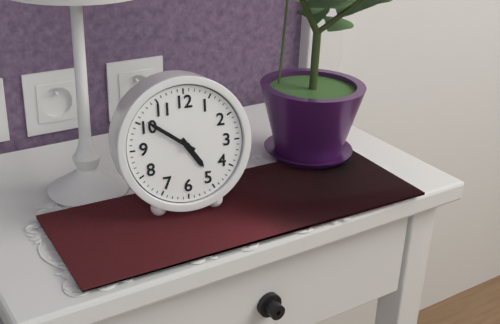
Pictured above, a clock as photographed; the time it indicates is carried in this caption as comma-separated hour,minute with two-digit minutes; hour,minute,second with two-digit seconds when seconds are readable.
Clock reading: 4,51
